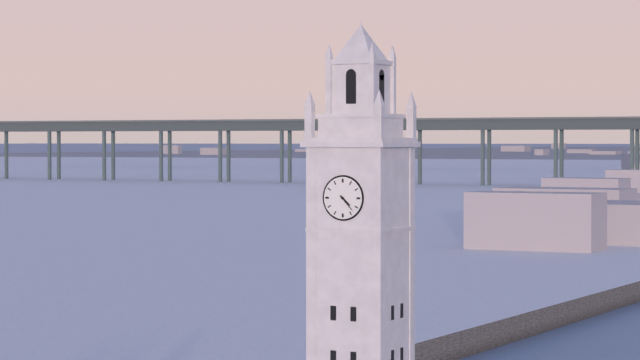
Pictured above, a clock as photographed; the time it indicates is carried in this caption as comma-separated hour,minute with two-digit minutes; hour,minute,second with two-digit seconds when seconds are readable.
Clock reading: 4,23
